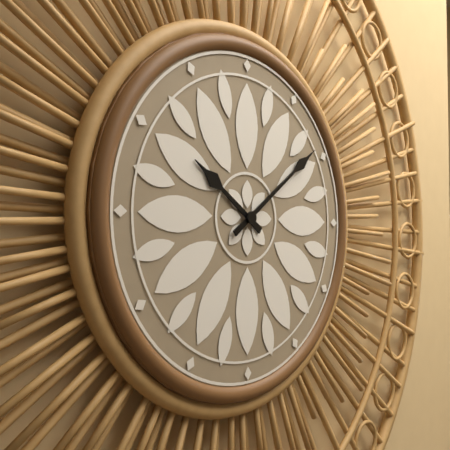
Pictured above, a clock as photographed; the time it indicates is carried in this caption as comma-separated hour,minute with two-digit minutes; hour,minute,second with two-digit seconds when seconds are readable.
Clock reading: 10,09
